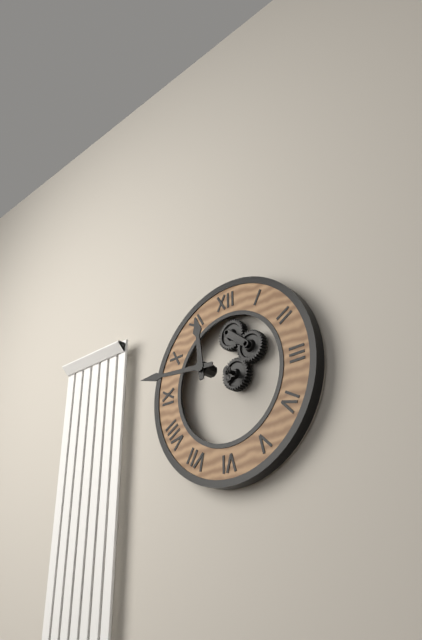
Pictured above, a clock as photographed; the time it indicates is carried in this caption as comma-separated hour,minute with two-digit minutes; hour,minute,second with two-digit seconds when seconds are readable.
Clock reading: 11,46
